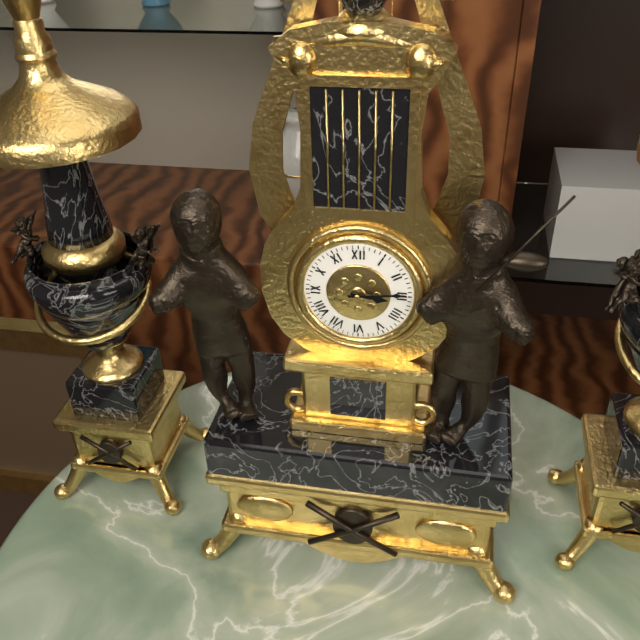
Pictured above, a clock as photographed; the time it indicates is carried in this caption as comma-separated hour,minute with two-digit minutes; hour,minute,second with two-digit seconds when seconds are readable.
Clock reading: 3,14
